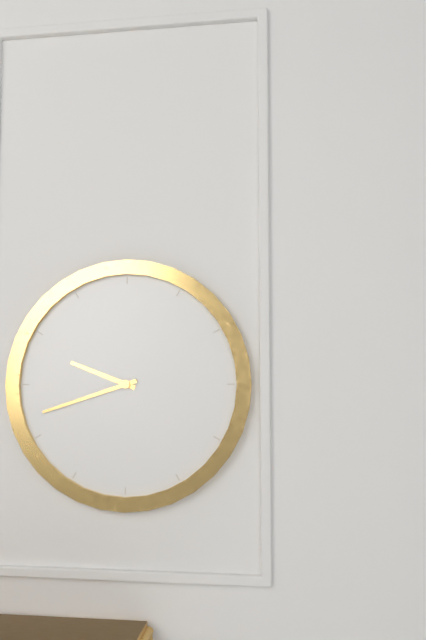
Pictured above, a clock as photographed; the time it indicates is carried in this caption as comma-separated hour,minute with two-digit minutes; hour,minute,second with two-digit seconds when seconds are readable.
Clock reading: 9,42
